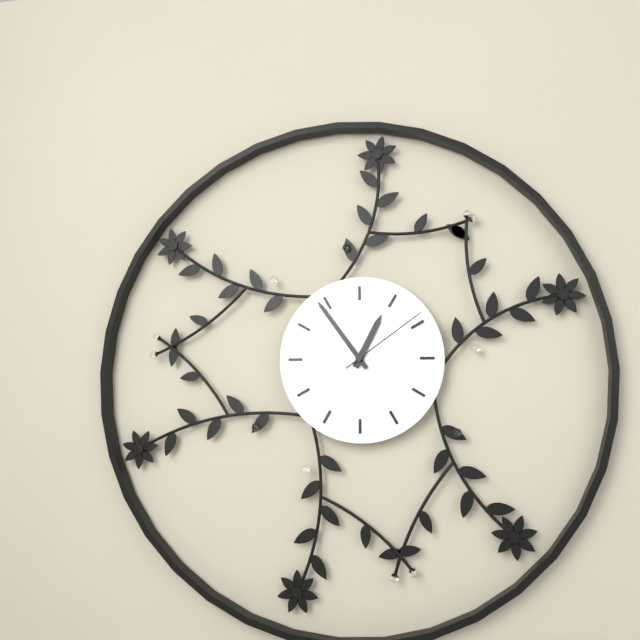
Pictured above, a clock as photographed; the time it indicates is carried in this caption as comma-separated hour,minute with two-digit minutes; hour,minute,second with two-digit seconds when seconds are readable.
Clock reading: 12,54,09
